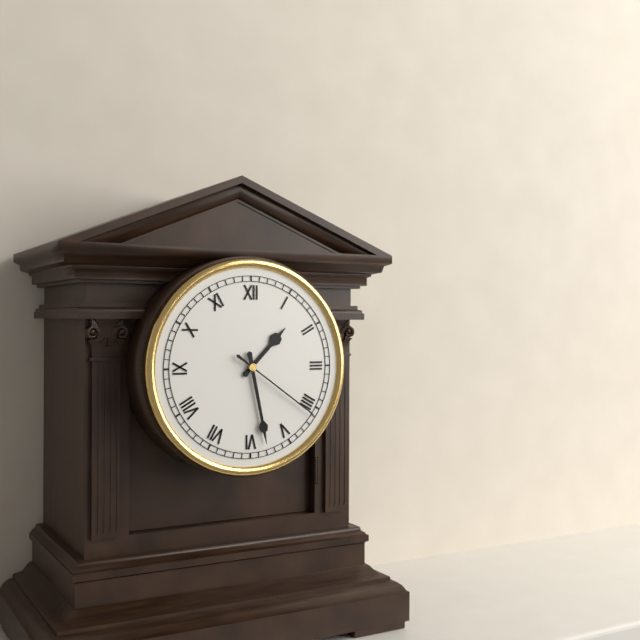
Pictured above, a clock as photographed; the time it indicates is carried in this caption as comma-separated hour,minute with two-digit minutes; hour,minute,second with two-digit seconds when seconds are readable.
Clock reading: 1,28,21
